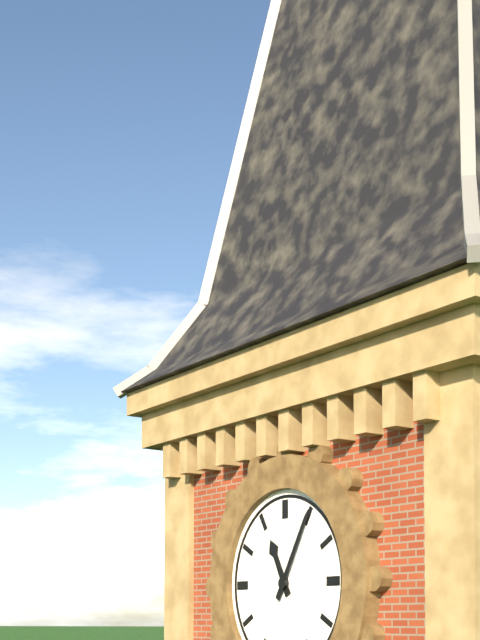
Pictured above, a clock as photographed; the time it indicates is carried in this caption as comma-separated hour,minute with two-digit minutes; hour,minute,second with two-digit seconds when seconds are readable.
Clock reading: 11,05
